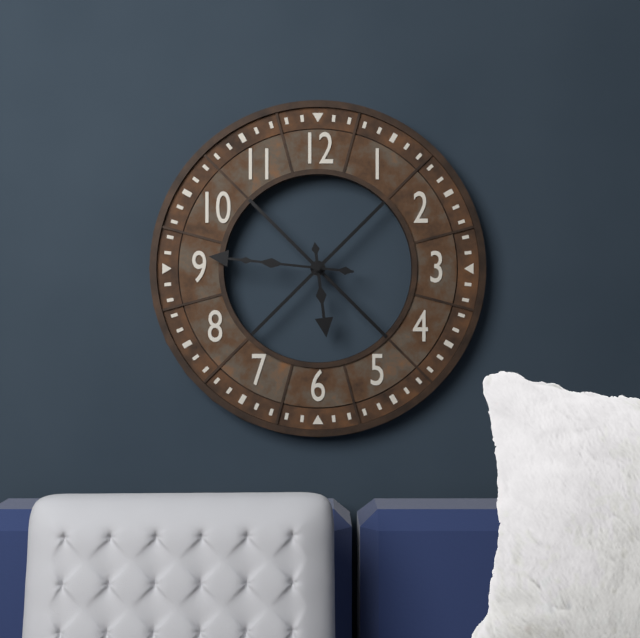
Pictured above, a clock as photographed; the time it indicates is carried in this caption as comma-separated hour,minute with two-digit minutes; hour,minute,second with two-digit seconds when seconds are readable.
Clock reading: 5,46
